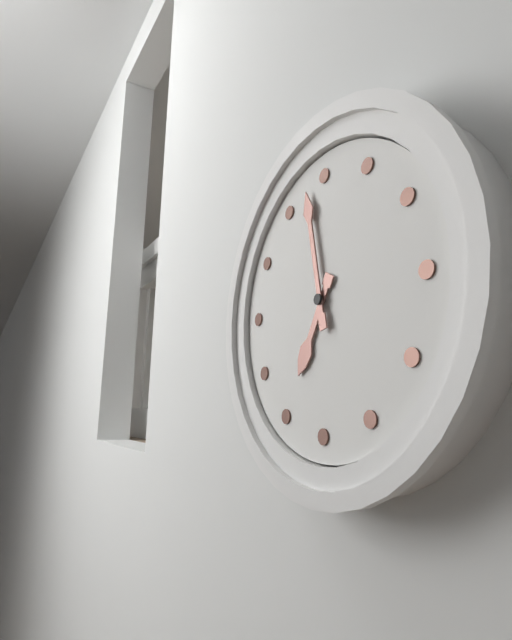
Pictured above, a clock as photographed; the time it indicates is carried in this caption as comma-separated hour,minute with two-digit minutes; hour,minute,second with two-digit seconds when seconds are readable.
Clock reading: 6,58
